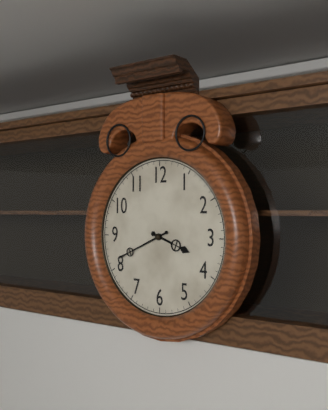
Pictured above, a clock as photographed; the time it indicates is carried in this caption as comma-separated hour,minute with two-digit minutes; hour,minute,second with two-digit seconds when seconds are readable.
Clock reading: 3,41
